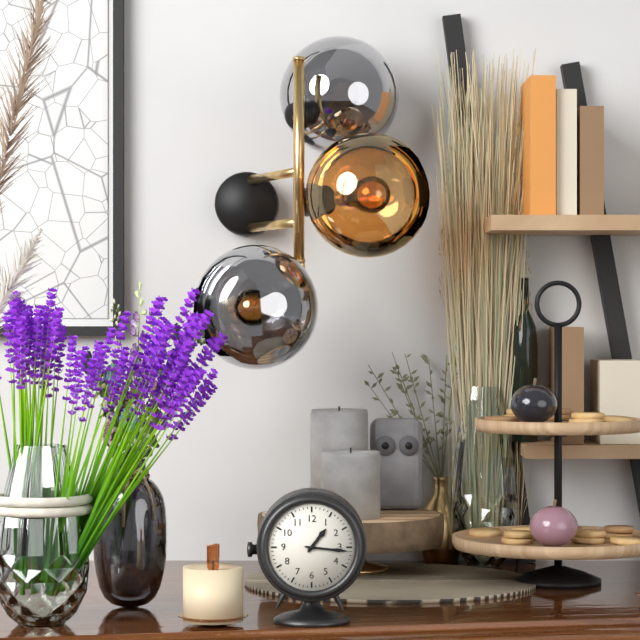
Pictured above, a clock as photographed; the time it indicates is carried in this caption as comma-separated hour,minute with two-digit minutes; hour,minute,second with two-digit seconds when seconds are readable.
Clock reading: 1,16
